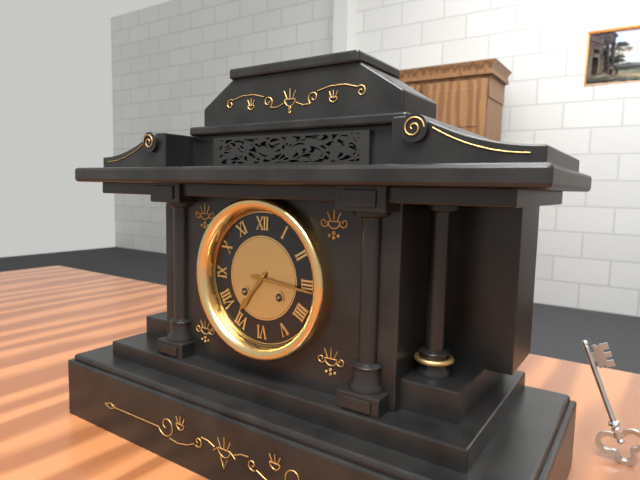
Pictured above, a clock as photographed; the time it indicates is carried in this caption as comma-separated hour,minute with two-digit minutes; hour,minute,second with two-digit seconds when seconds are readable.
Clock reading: 7,16
